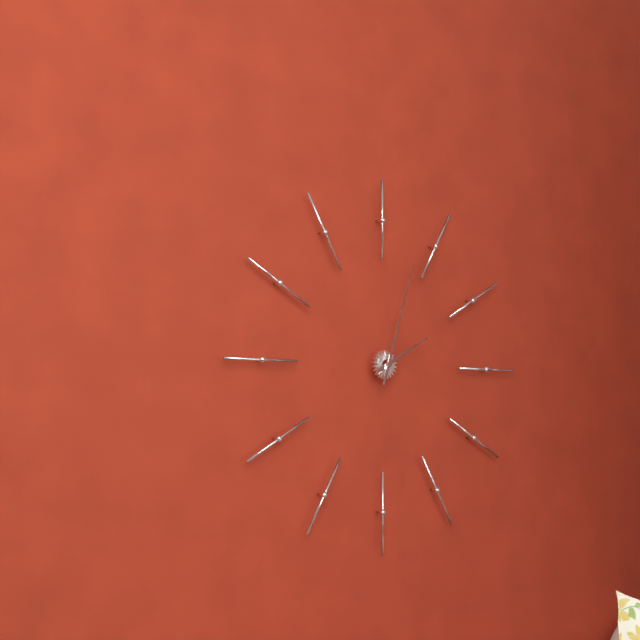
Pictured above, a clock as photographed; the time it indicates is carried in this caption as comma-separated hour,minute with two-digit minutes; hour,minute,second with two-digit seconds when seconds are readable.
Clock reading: 2,03
